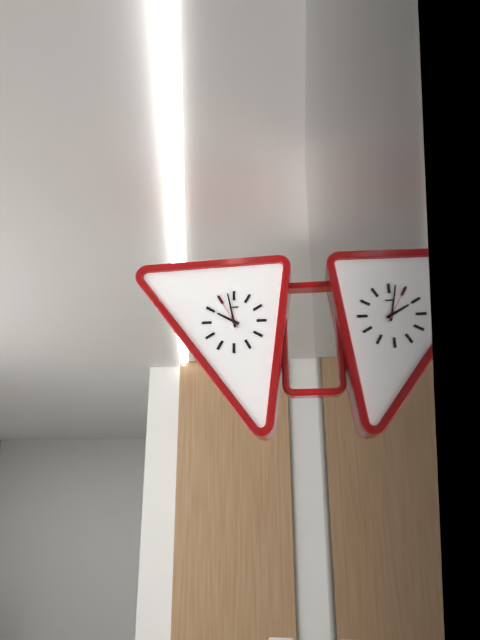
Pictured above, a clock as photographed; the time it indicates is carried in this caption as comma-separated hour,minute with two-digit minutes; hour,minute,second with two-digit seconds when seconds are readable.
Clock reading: 9,58
